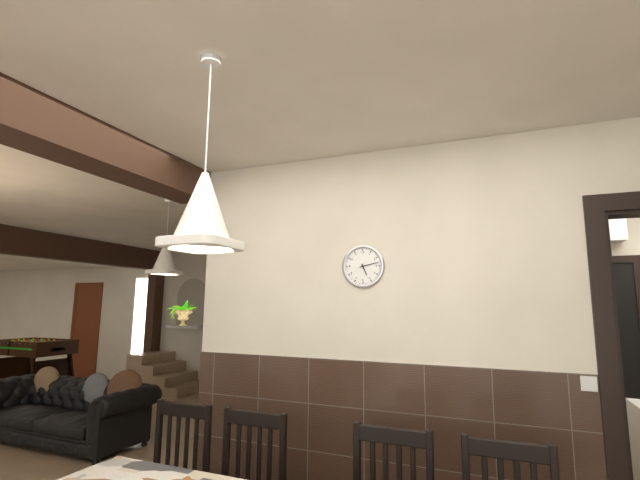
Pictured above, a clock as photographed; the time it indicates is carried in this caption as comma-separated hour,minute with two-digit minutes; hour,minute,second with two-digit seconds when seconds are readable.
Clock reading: 5,13
